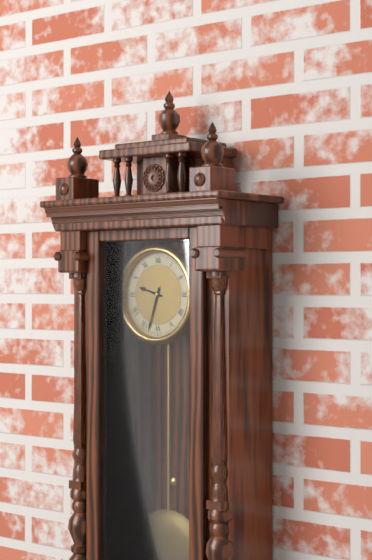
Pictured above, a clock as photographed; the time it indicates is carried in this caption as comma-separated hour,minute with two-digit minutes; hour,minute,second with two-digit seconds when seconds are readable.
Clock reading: 9,33
